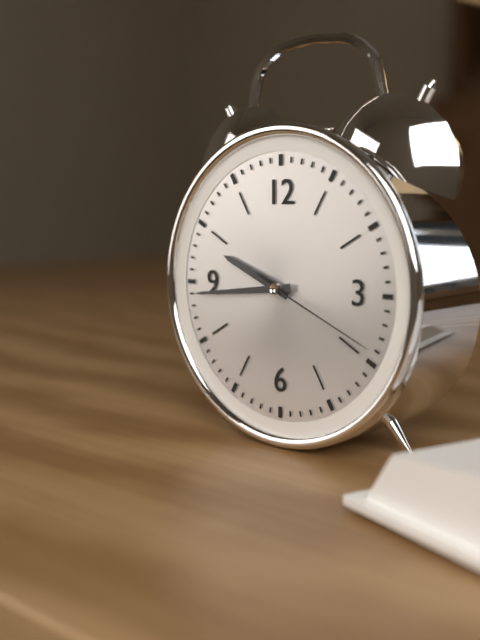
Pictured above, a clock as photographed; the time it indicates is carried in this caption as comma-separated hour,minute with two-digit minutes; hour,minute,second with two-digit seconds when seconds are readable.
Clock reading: 9,44,19
